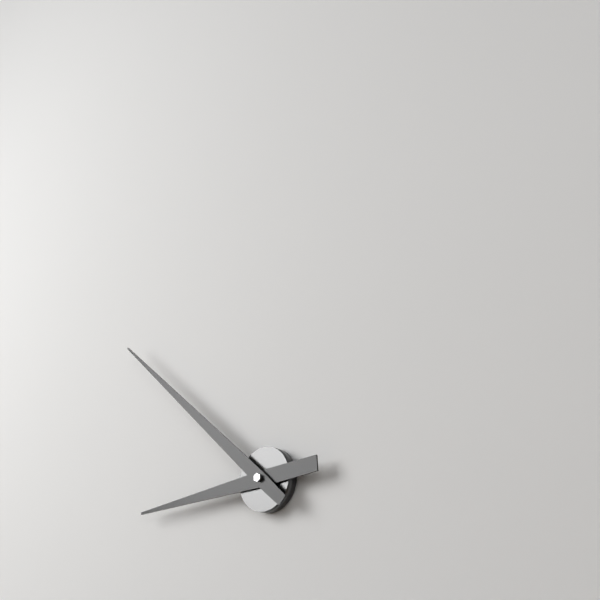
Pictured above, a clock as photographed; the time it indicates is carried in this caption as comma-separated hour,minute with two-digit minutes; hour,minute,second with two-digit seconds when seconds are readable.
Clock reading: 8,52
